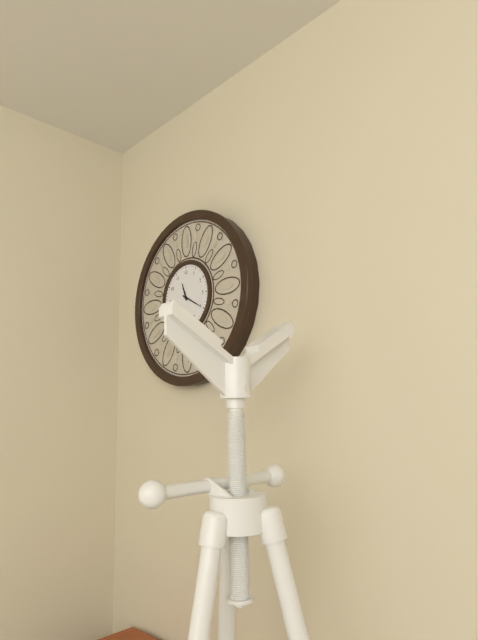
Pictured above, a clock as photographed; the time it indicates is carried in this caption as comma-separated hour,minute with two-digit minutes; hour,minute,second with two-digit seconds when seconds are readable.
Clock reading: 11,20
